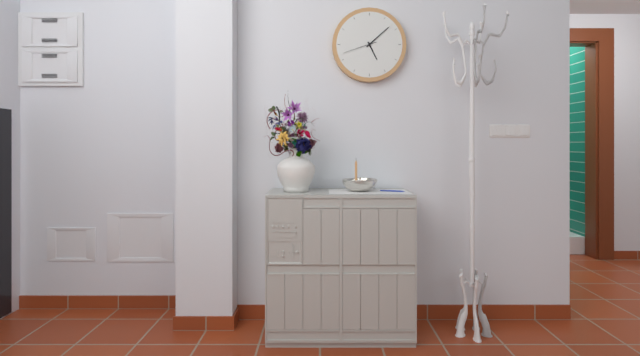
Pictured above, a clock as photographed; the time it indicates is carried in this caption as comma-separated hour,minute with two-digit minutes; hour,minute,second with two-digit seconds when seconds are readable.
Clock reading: 5,08
